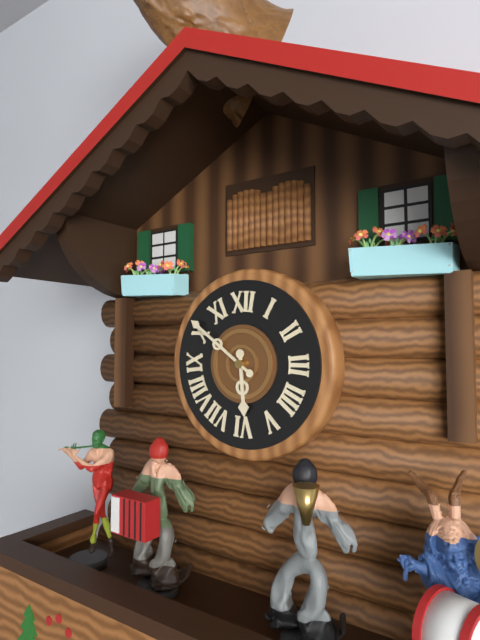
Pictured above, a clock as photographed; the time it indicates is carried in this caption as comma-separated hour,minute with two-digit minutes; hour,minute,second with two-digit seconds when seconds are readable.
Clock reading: 5,51
